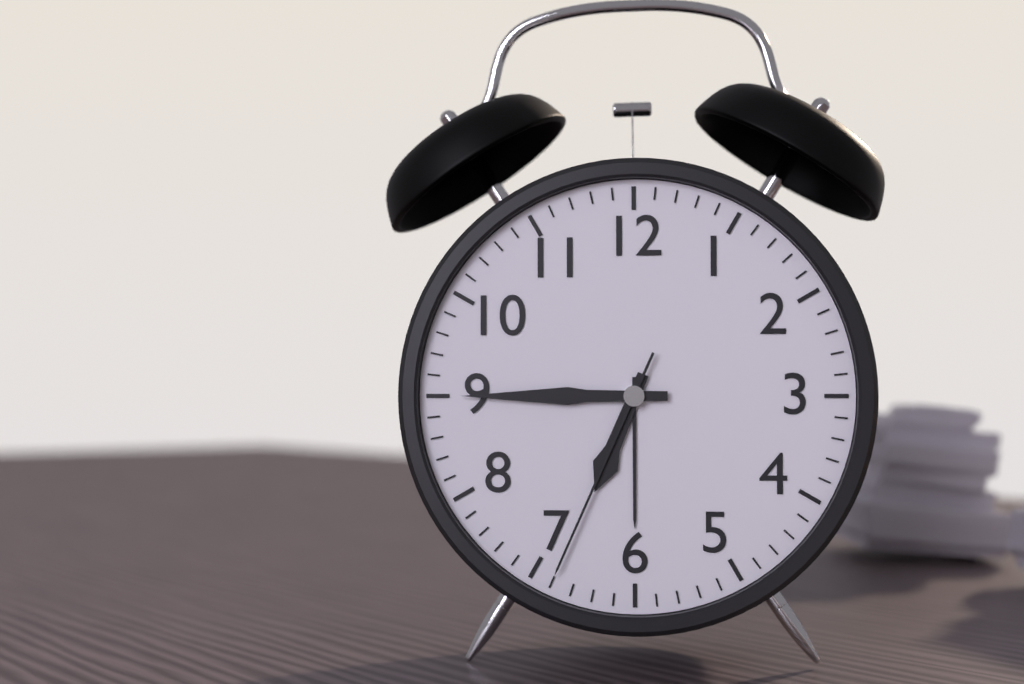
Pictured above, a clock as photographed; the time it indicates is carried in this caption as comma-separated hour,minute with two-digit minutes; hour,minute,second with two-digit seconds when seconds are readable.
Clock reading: 6,45,34
